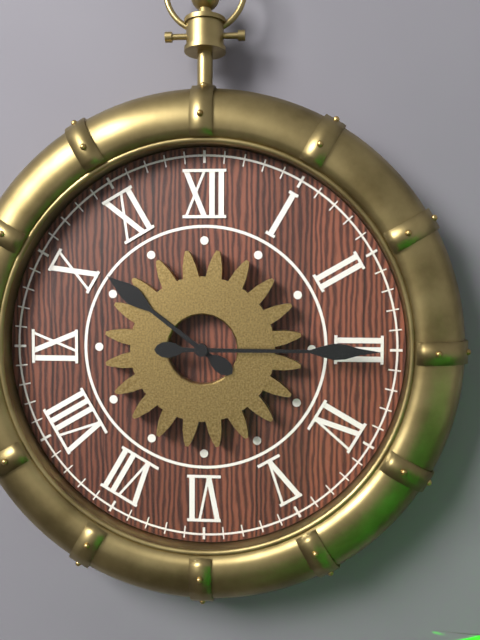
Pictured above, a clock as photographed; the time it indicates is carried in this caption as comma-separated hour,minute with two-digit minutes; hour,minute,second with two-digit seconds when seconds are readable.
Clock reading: 10,15
